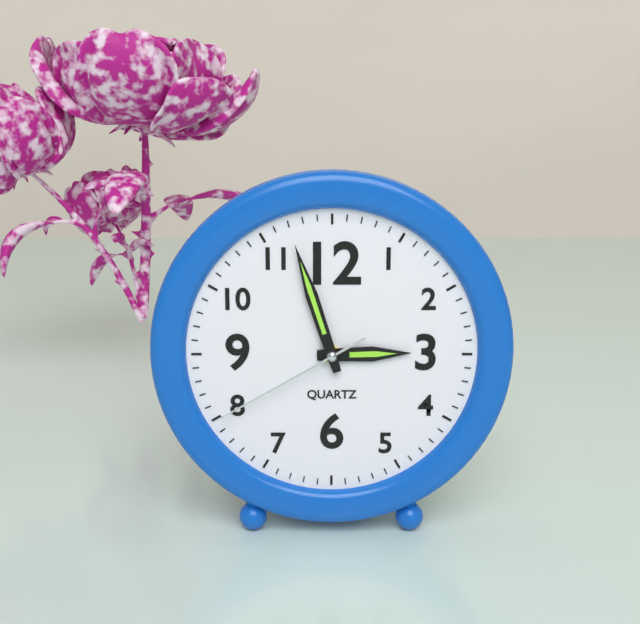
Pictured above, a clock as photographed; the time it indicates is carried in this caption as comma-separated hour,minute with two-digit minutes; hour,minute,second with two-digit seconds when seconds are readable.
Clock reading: 2,57,40
